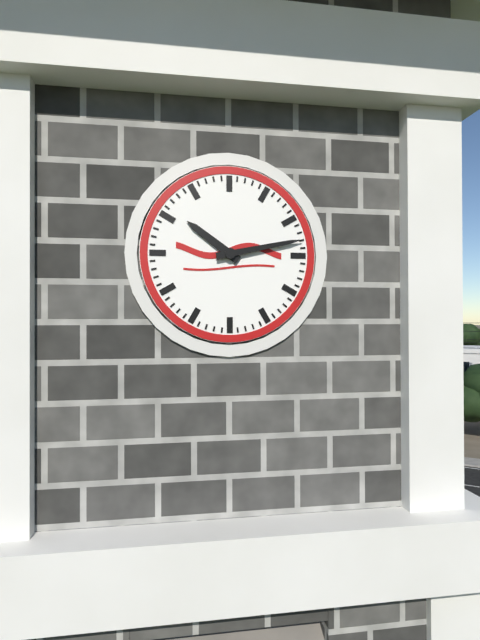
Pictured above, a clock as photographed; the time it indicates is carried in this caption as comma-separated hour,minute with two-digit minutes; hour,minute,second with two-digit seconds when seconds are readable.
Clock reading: 10,13
